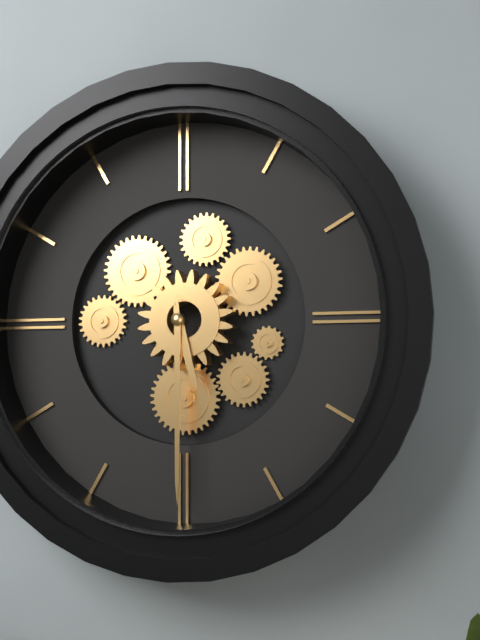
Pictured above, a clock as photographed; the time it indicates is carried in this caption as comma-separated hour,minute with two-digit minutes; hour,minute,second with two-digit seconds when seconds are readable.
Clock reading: 5,30
